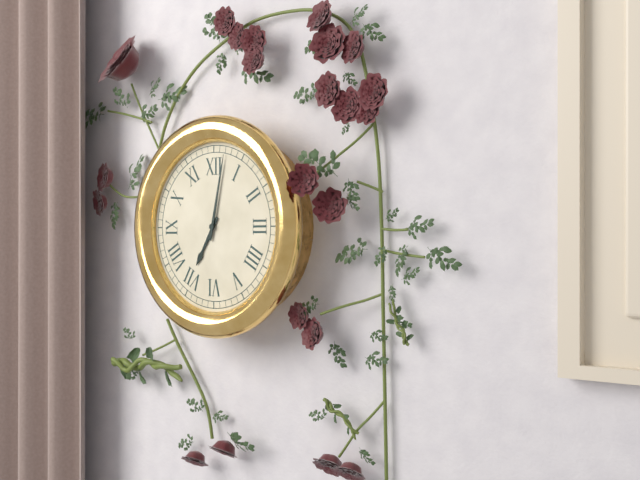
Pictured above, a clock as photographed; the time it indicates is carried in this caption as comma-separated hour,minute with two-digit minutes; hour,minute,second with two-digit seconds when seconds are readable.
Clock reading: 7,02
